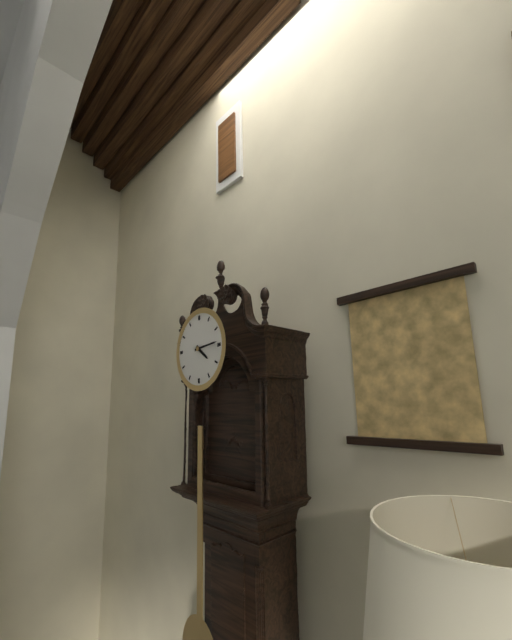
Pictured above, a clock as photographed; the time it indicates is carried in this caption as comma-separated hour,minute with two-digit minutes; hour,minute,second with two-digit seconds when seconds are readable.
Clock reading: 4,14
